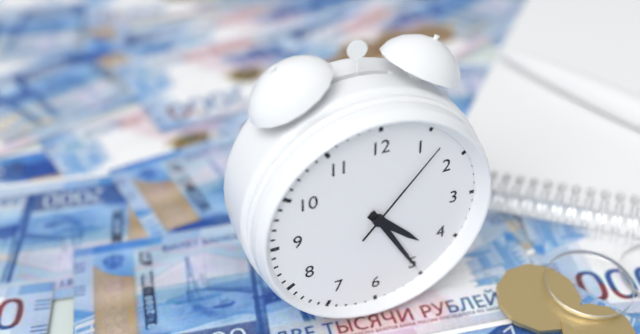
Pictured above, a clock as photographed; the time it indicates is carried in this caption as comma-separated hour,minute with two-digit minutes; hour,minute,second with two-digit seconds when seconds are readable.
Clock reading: 4,25,07
